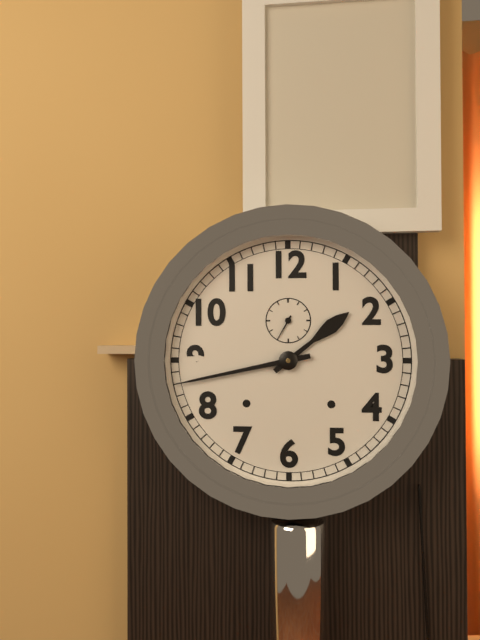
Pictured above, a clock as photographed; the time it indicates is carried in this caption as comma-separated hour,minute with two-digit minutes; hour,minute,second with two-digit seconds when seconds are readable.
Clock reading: 1,43
